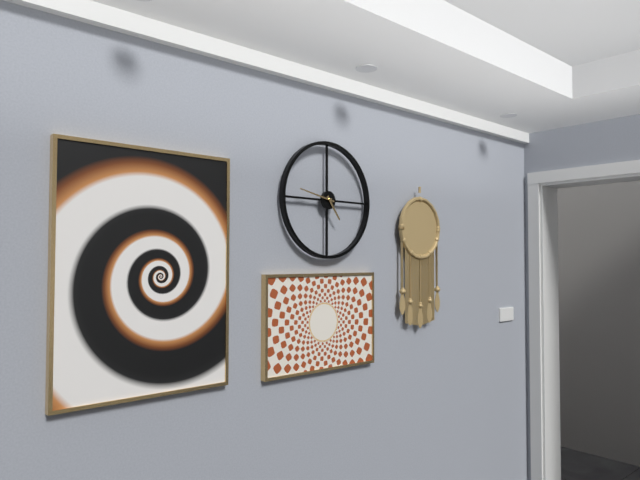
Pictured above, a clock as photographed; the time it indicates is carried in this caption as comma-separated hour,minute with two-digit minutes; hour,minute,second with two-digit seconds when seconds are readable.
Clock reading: 4,47
